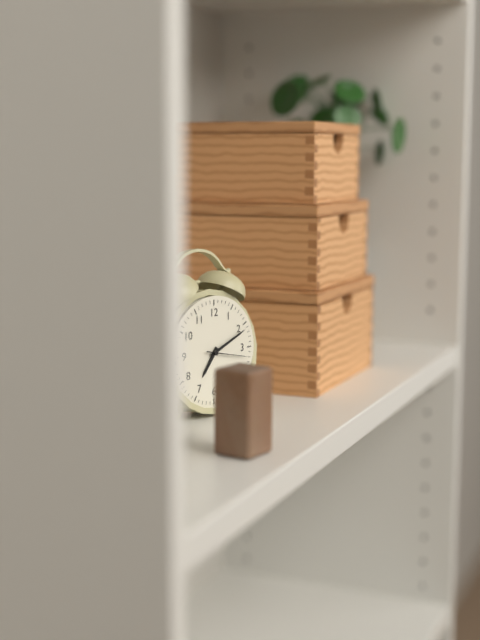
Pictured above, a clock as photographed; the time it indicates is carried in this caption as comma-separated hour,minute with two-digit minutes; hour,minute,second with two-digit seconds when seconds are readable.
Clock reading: 7,11
